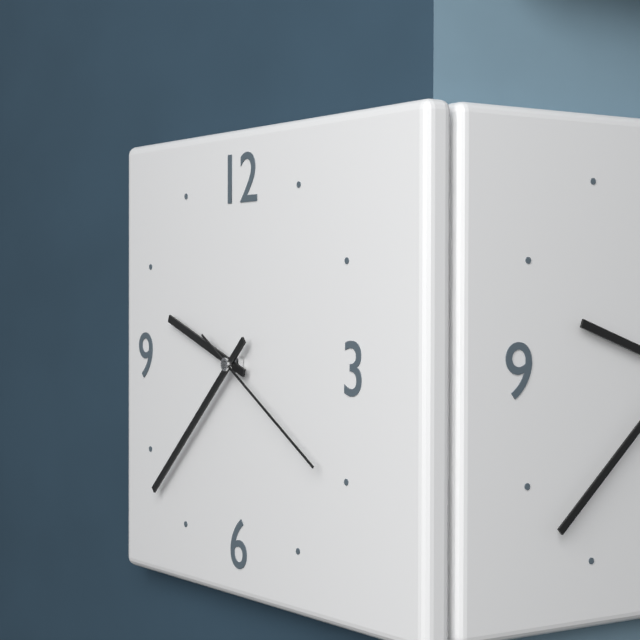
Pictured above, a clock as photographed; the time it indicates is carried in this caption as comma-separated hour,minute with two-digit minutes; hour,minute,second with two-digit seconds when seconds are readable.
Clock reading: 9,38,20
